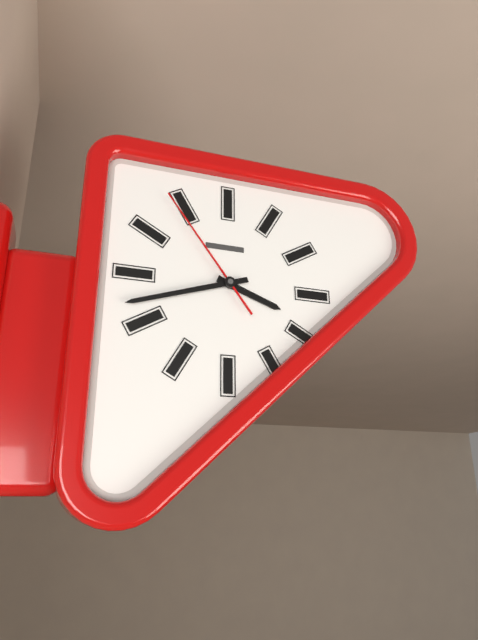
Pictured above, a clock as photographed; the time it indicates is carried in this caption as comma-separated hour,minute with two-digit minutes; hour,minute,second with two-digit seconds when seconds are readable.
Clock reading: 3,42,54
